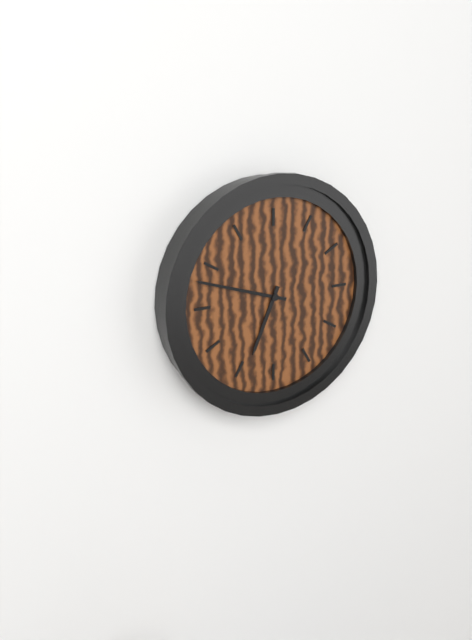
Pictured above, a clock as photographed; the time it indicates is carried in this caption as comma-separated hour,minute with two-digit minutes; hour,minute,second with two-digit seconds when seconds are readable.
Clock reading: 6,48
